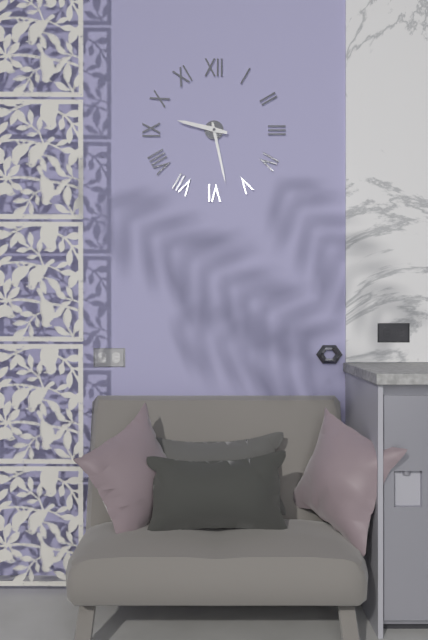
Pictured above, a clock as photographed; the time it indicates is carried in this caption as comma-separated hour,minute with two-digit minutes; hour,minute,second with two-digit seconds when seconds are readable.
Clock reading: 9,28
